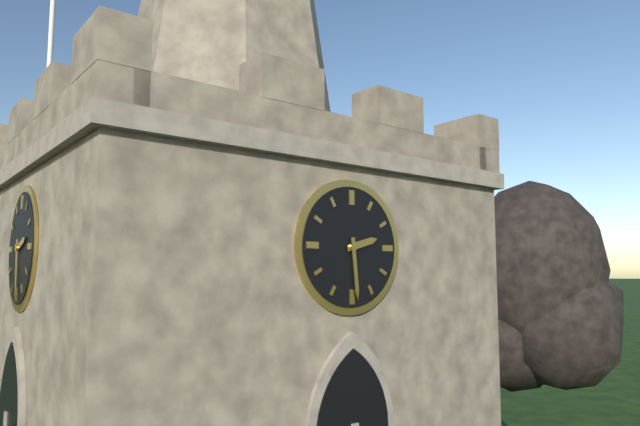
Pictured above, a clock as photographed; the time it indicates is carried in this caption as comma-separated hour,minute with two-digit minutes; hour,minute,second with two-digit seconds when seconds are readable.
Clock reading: 2,29
